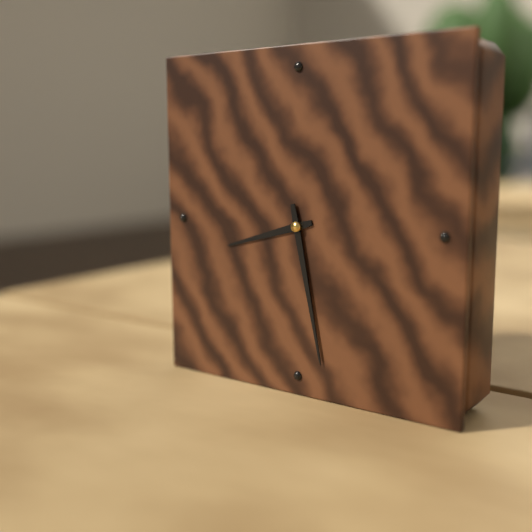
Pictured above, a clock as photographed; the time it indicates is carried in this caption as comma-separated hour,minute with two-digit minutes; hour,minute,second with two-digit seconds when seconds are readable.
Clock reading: 8,28
